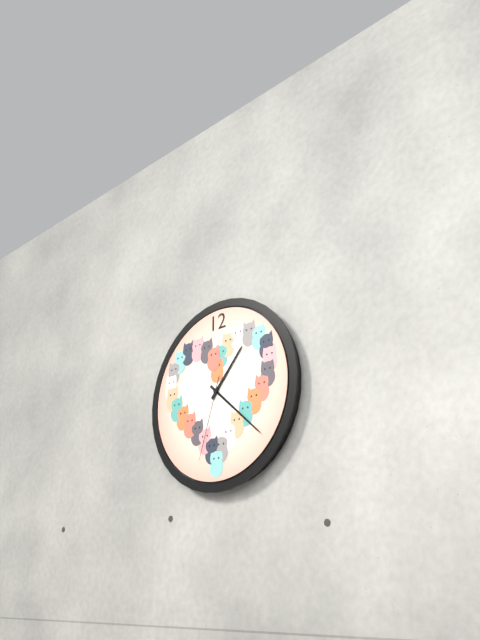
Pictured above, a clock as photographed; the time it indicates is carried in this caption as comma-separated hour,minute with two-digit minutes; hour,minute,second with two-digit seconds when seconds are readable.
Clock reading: 1,22,33
